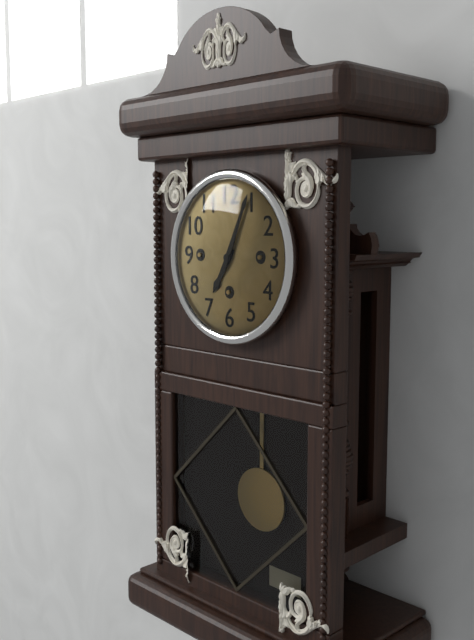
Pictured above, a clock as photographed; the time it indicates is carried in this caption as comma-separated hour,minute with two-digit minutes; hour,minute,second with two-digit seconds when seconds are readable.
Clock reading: 7,04
